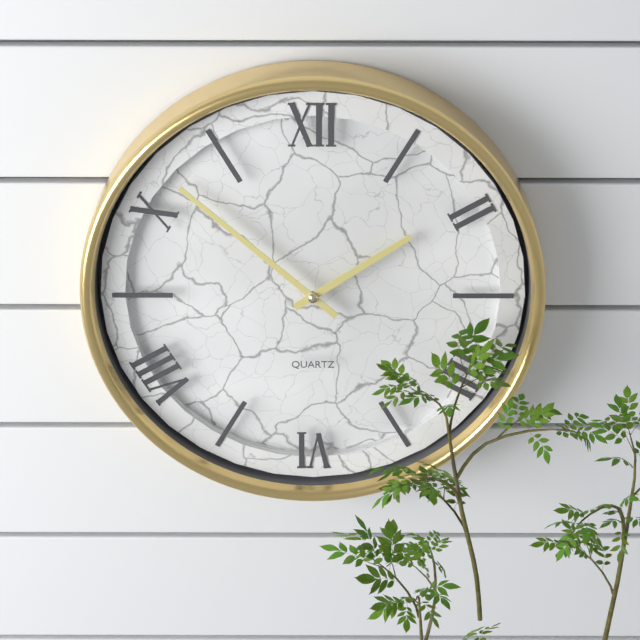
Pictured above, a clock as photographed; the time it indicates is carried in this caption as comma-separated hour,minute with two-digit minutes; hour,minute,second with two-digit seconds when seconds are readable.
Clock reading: 1,52
